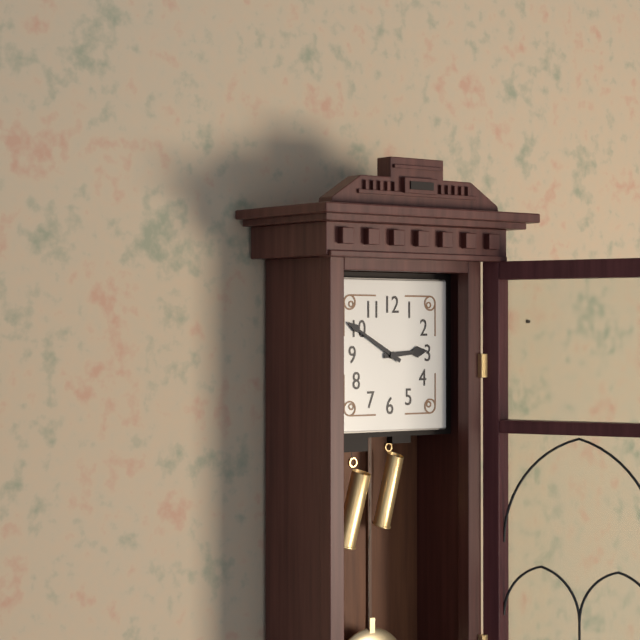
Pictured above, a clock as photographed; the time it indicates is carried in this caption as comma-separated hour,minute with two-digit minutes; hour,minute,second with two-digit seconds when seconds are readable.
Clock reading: 2,50
